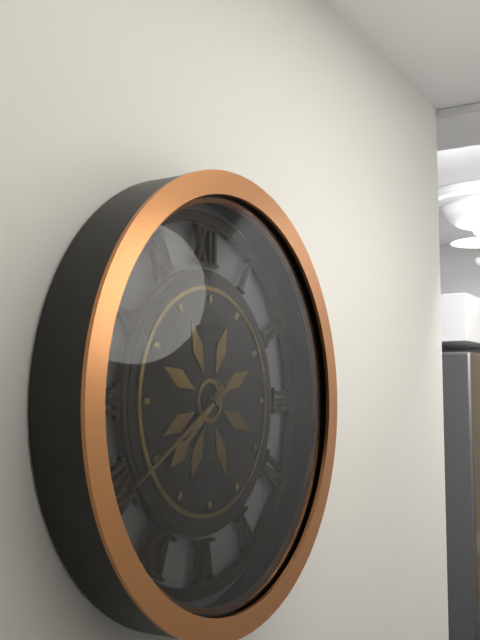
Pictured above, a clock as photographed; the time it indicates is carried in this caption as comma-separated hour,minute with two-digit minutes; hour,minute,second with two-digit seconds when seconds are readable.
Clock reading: 7,40
